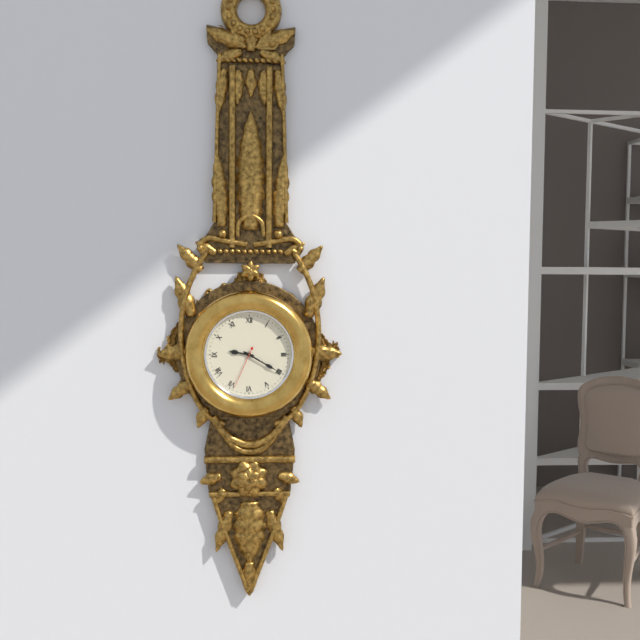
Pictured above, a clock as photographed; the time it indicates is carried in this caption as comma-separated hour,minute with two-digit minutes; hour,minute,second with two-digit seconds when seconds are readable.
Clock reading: 9,20
